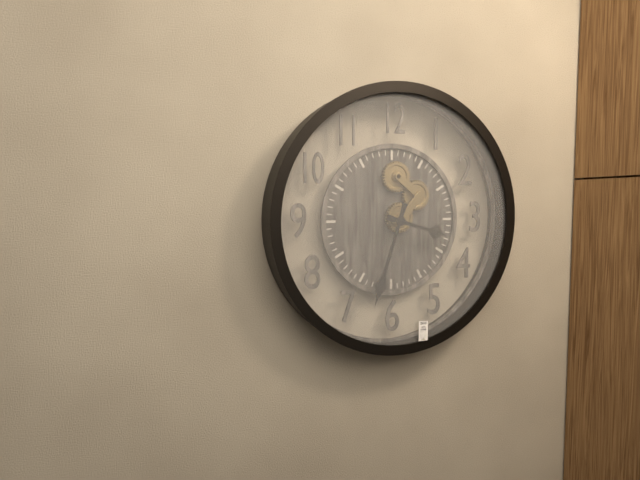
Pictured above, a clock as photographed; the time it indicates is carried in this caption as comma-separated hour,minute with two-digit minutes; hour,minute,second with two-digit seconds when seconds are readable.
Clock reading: 3,33
